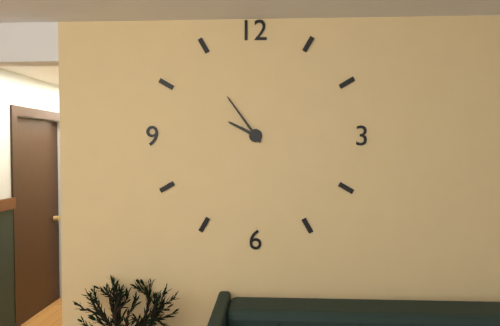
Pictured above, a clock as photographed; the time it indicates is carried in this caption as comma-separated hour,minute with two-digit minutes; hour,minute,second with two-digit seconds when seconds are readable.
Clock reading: 9,54
